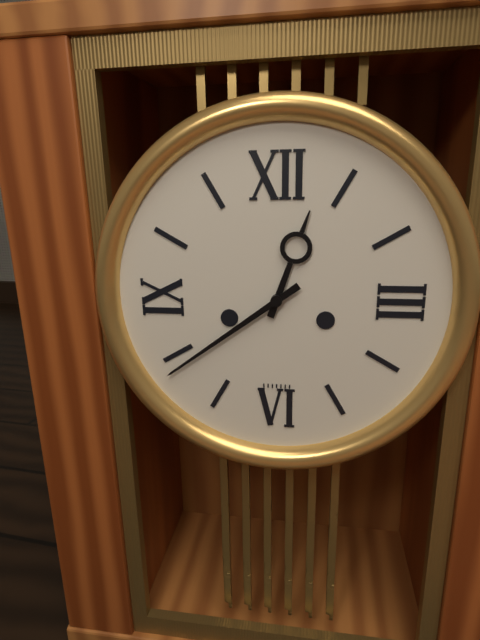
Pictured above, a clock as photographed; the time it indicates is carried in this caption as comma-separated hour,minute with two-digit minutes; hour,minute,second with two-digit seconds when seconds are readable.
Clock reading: 12,39
